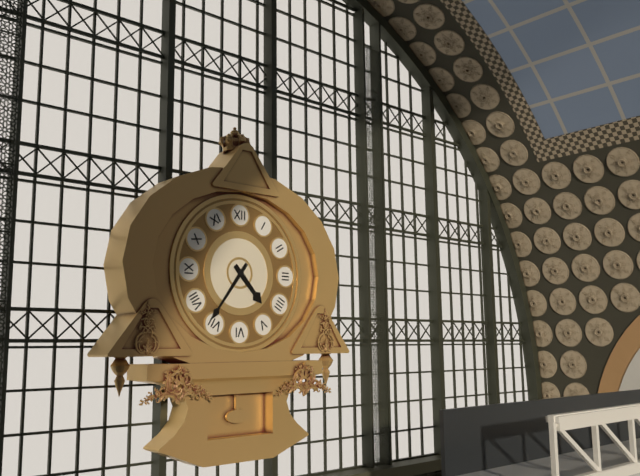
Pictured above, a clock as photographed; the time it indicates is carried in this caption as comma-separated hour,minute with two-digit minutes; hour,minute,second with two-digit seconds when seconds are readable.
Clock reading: 4,36
